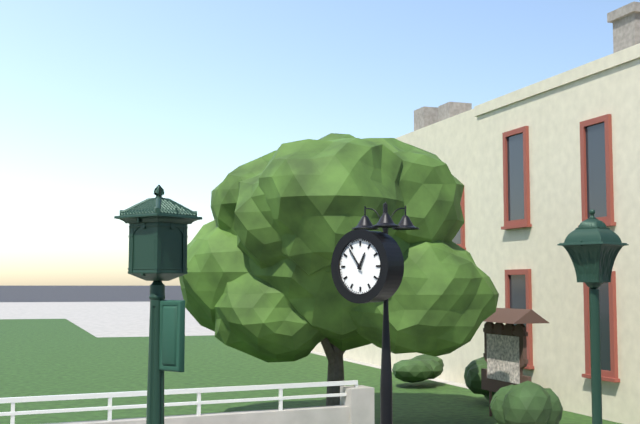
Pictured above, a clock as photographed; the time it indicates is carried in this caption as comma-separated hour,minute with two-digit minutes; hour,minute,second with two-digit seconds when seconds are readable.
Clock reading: 12,54
